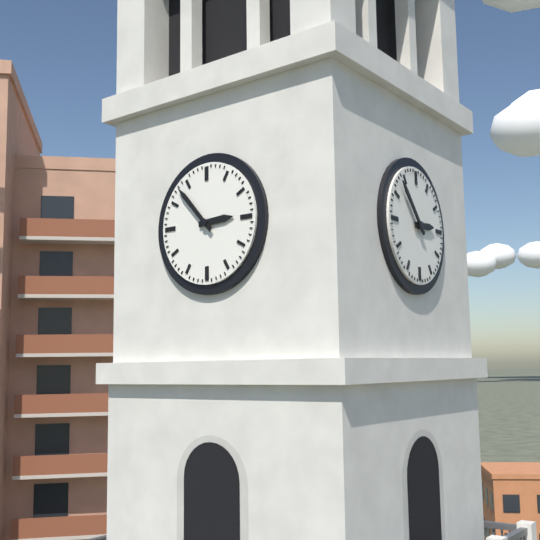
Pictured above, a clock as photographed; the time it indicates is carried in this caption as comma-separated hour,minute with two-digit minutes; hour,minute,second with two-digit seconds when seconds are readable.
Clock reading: 2,53
